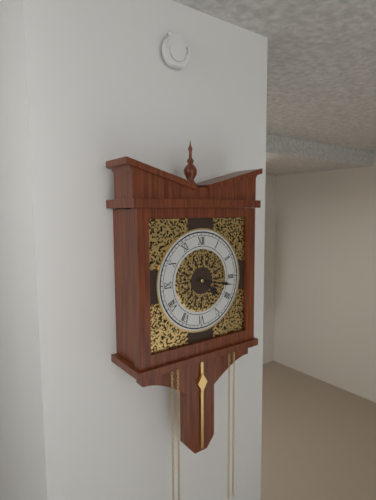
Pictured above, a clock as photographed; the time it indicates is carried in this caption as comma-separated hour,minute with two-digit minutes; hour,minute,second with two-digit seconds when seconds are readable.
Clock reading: 4,17
